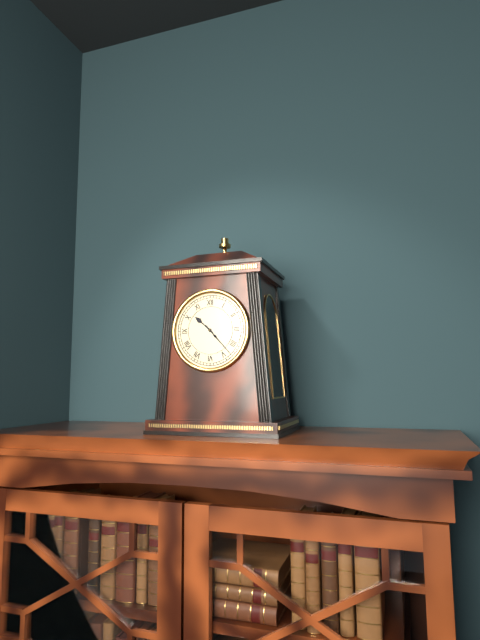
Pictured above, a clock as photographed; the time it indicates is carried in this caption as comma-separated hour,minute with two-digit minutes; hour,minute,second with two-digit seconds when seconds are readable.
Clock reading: 10,23
